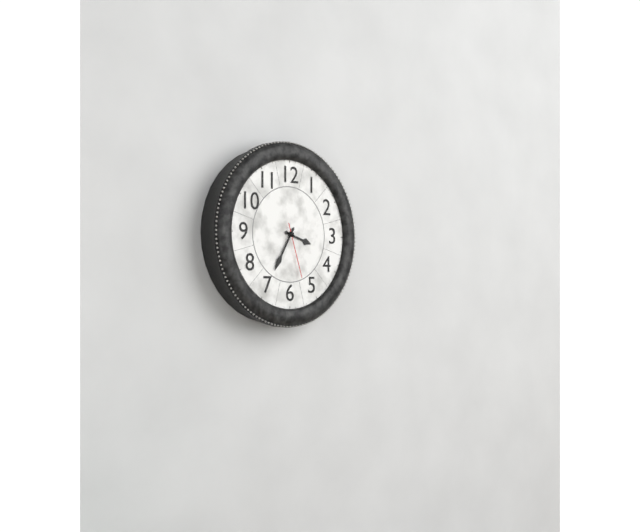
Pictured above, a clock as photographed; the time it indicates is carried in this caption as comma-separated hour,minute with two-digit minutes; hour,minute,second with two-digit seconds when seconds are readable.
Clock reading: 3,35,27
